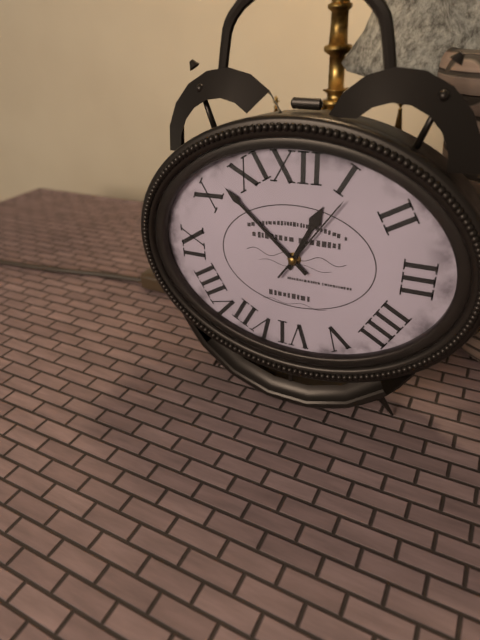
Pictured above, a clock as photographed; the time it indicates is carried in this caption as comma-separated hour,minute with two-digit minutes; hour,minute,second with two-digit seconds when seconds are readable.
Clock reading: 12,52,06
